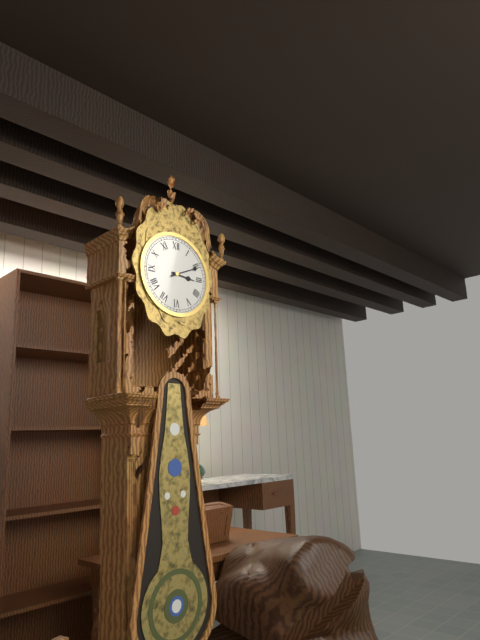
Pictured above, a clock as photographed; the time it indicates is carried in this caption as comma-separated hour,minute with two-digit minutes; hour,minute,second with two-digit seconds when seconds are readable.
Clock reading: 3,11
